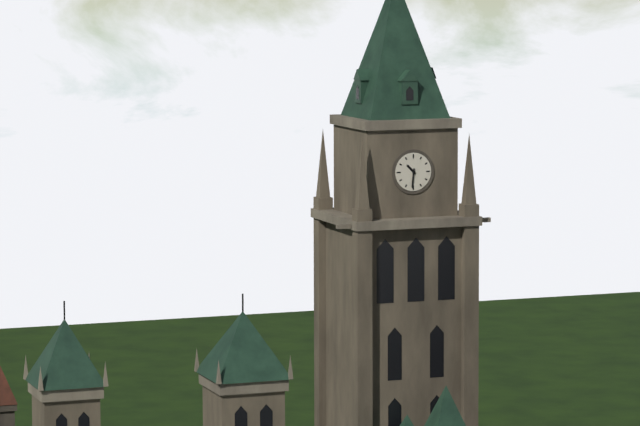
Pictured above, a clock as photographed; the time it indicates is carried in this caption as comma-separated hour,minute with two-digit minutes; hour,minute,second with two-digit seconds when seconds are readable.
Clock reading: 10,31
